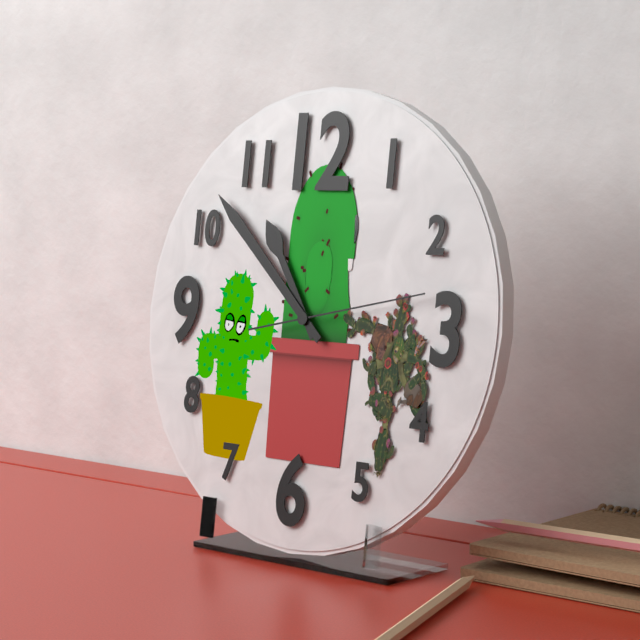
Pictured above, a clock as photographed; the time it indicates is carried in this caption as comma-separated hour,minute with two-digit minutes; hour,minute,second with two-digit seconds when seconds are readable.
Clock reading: 10,52,13
